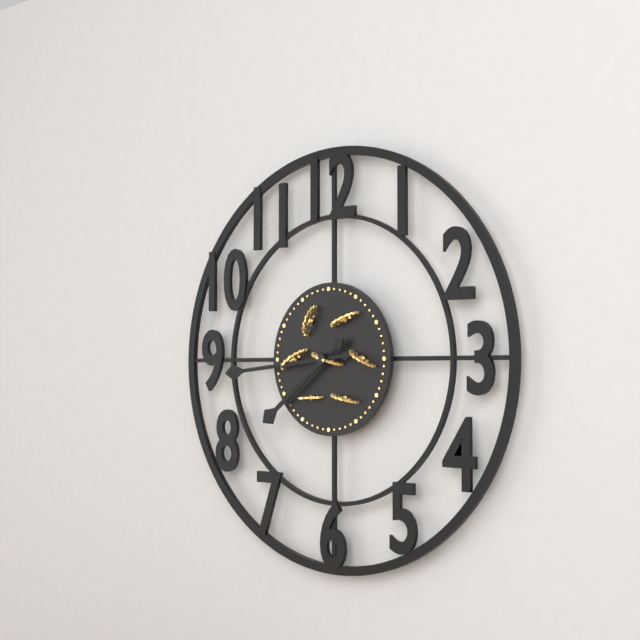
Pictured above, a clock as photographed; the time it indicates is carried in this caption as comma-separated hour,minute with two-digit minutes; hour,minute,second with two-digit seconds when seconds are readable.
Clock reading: 7,44
